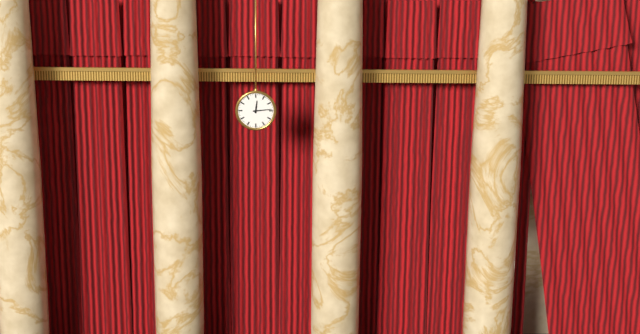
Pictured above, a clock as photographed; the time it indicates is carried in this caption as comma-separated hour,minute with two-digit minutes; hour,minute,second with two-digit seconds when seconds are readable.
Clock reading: 12,14
